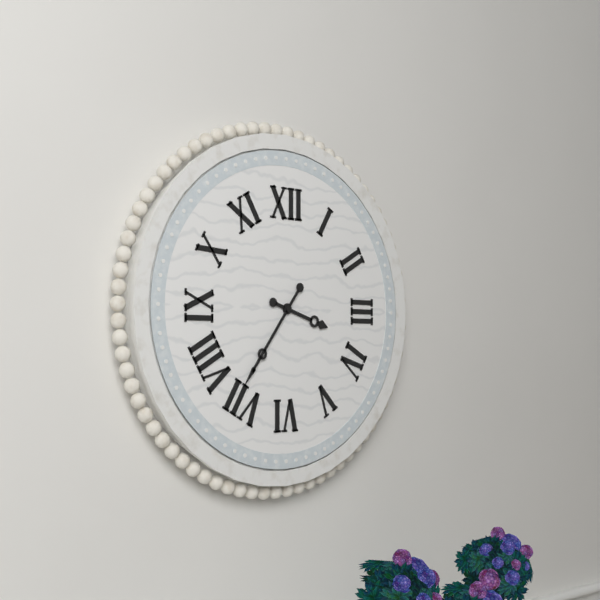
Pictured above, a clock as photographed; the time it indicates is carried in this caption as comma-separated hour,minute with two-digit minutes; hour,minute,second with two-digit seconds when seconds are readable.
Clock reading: 3,36
